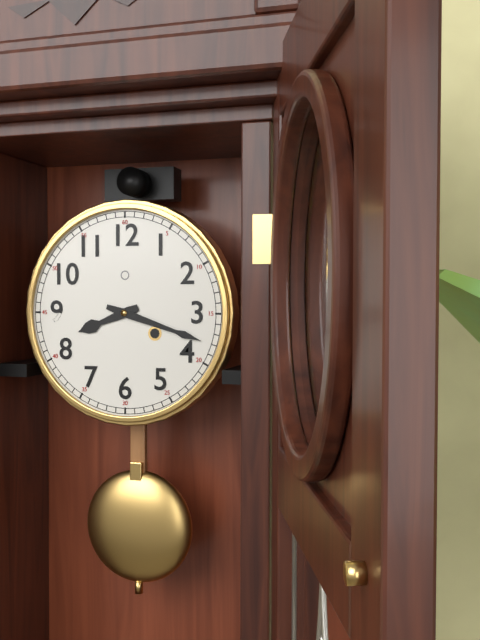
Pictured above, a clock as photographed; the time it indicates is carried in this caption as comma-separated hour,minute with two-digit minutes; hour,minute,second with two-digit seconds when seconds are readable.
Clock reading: 8,18
